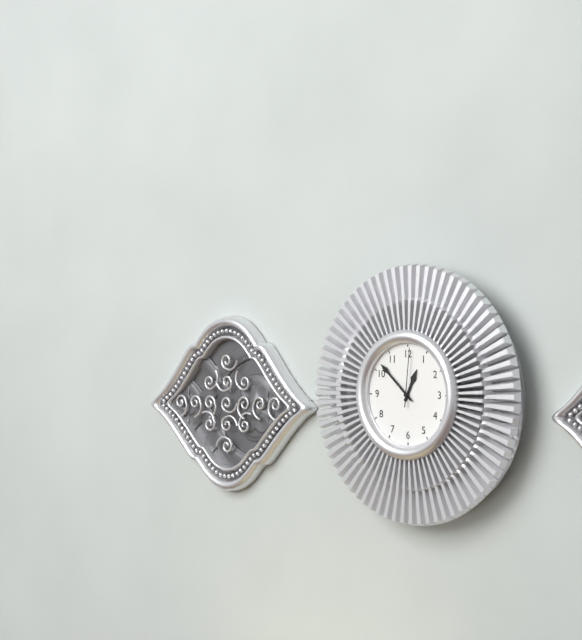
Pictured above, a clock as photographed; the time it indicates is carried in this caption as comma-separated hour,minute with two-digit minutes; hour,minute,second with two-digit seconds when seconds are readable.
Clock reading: 12,52,01
